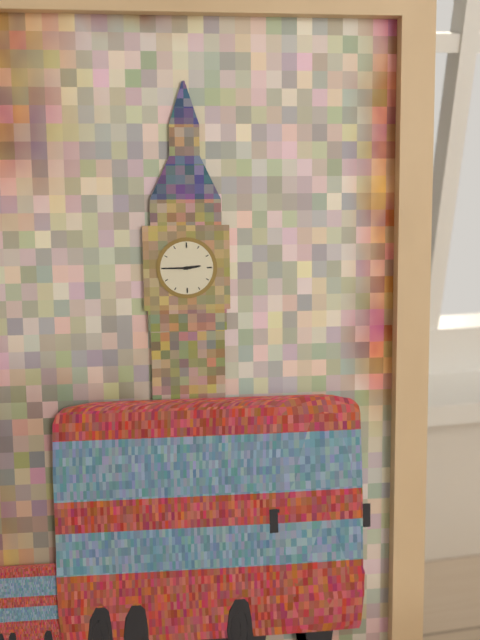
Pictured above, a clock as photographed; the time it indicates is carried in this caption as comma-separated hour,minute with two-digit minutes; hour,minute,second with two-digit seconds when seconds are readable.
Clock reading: 2,45
